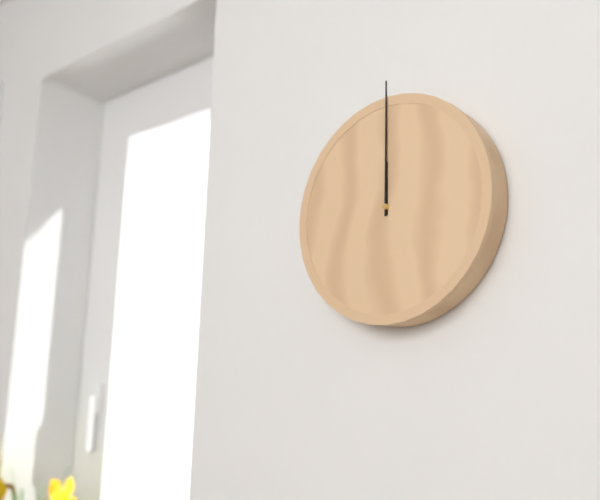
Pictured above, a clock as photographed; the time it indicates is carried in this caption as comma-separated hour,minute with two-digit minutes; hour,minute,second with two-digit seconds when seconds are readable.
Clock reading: 12,00
